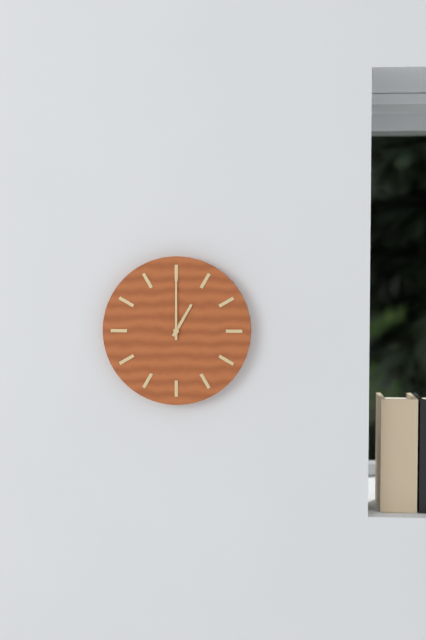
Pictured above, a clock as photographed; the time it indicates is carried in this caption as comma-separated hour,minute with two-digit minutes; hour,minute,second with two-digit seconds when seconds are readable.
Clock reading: 1,00
